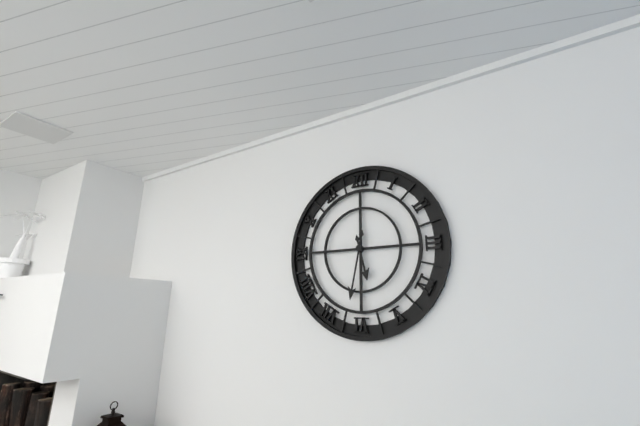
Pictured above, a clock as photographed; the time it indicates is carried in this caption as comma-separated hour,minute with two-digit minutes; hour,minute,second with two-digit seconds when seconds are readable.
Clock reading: 5,32
